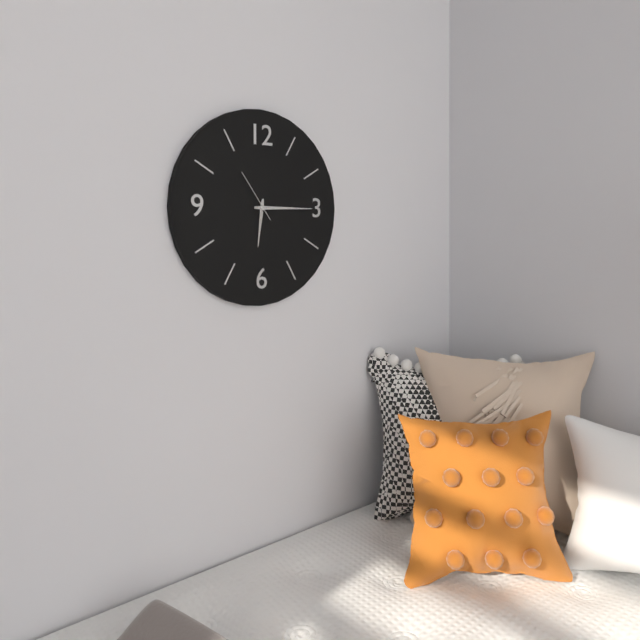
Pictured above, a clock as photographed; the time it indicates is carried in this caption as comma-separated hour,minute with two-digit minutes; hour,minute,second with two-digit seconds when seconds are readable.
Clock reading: 6,15,54
